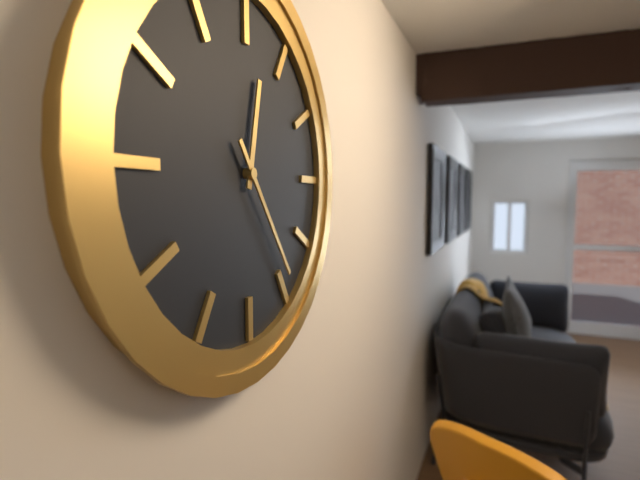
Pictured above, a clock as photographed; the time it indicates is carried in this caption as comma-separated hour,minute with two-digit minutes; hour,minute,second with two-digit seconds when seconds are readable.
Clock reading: 12,24
